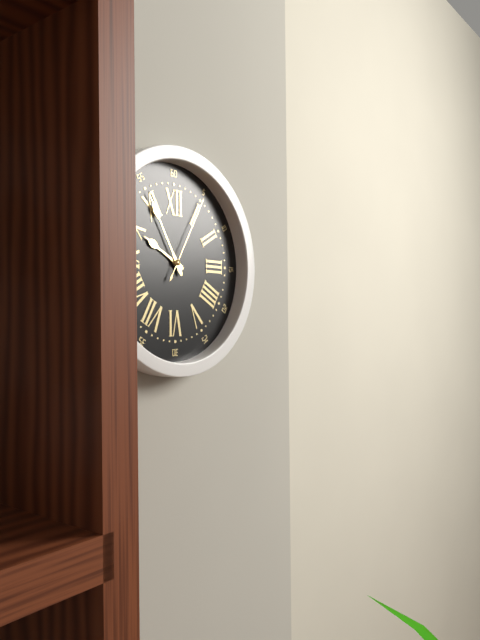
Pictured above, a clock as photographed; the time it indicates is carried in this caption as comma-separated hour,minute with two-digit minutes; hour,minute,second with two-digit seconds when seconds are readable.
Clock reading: 9,55,05
